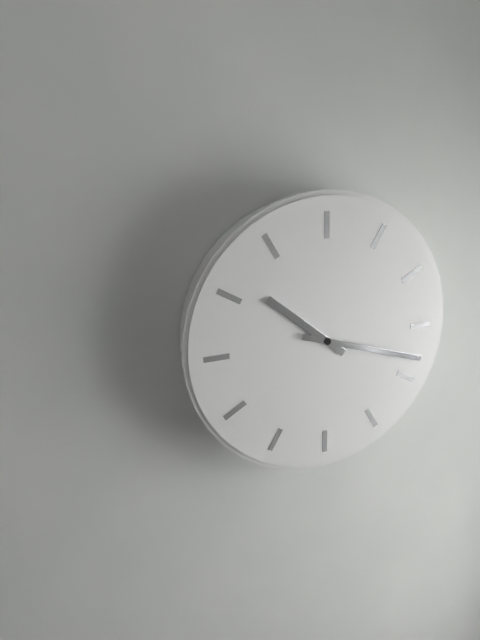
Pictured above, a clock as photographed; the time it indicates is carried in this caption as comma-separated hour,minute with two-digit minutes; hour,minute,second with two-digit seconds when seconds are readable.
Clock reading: 10,18
